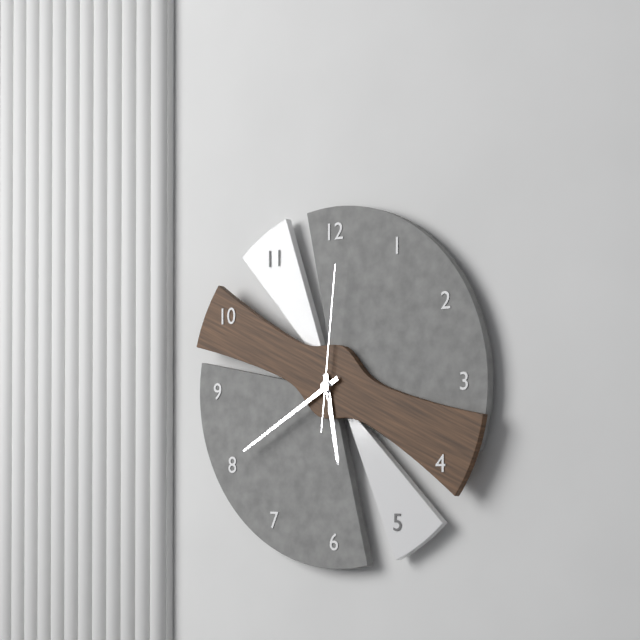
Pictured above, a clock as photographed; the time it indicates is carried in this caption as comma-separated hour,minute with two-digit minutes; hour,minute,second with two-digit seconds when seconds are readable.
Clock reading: 5,40,01
